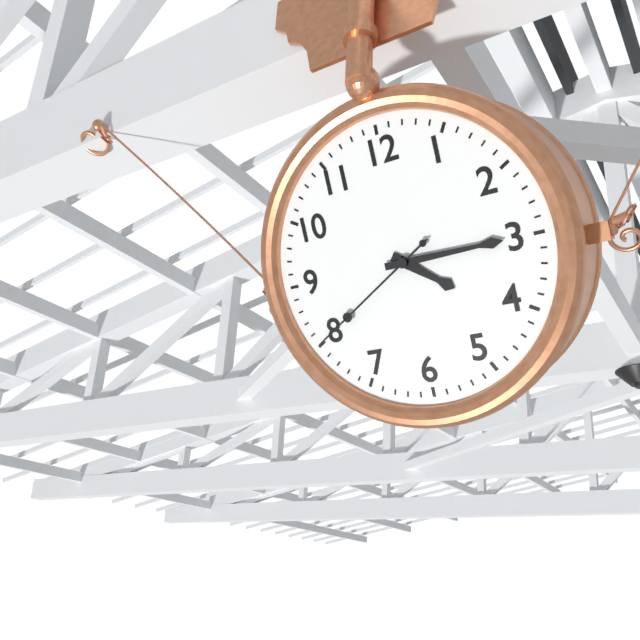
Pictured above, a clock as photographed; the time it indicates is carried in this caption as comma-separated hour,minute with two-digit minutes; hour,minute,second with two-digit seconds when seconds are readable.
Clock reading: 4,15,40
